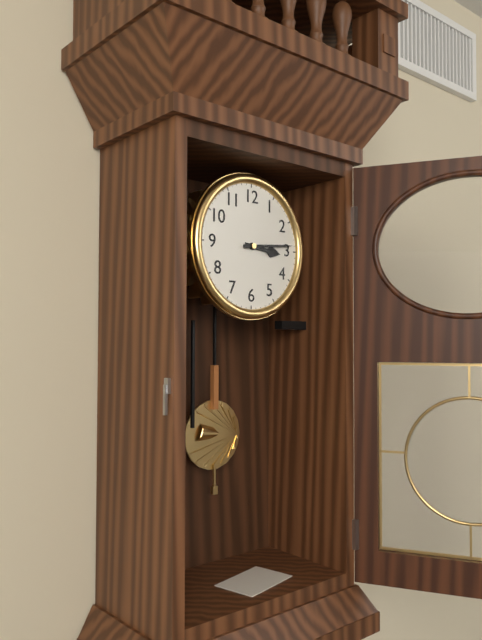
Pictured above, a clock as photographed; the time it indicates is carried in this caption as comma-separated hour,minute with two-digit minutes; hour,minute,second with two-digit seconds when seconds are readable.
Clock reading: 3,14
